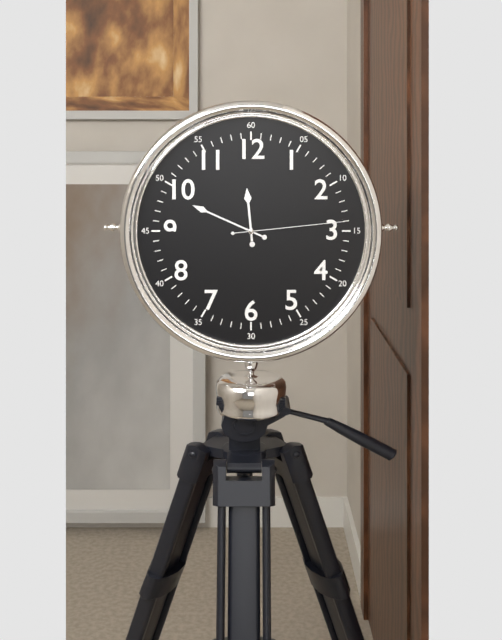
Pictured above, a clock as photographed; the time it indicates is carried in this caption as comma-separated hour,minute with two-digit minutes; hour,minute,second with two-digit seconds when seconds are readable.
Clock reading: 11,49,14
